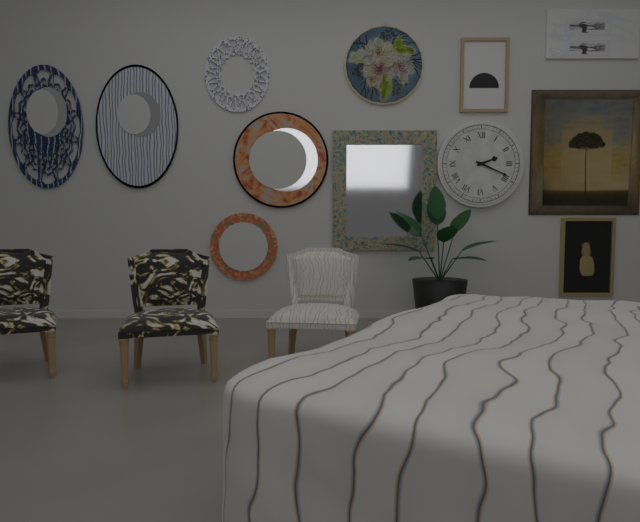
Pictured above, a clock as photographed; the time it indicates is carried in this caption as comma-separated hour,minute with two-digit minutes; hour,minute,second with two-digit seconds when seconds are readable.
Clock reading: 2,19
